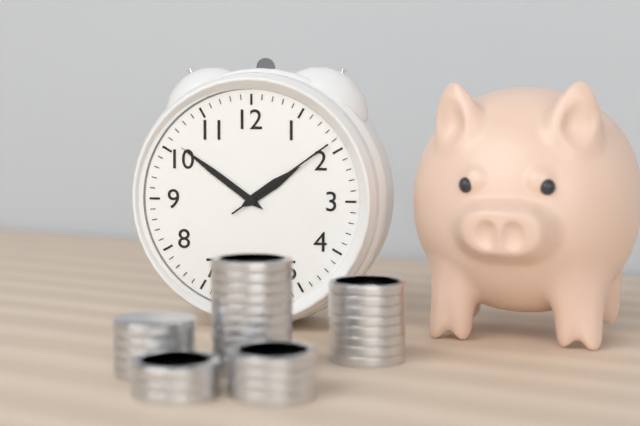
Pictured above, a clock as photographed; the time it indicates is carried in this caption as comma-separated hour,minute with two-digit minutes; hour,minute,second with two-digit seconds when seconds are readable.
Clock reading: 1,51,09
